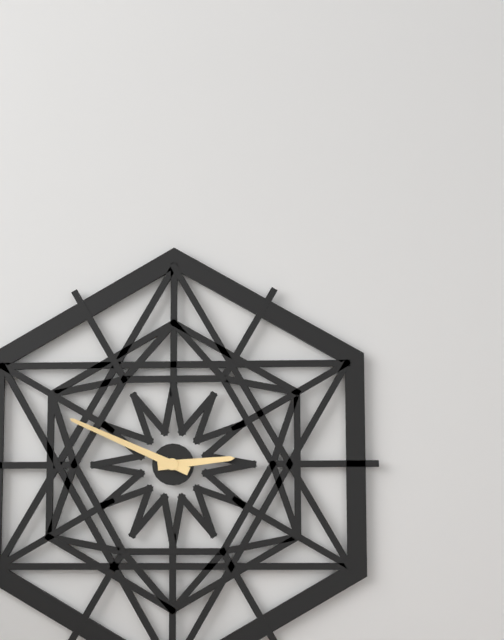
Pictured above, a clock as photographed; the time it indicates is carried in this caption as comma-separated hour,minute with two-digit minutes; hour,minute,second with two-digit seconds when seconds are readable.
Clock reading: 2,49
